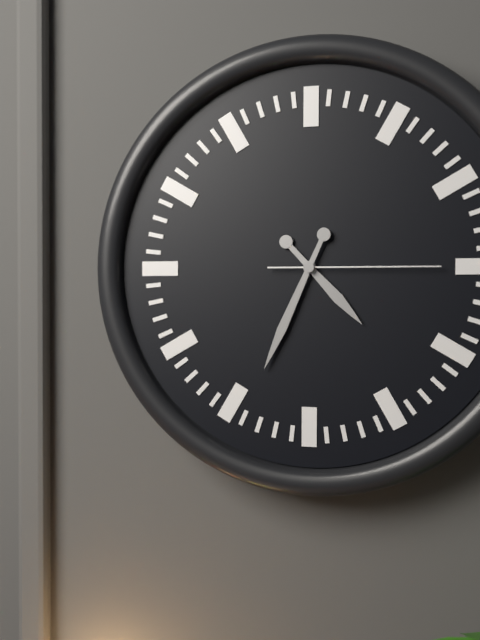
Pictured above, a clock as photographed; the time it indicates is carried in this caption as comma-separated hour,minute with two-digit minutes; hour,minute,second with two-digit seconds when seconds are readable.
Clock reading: 4,34,15
